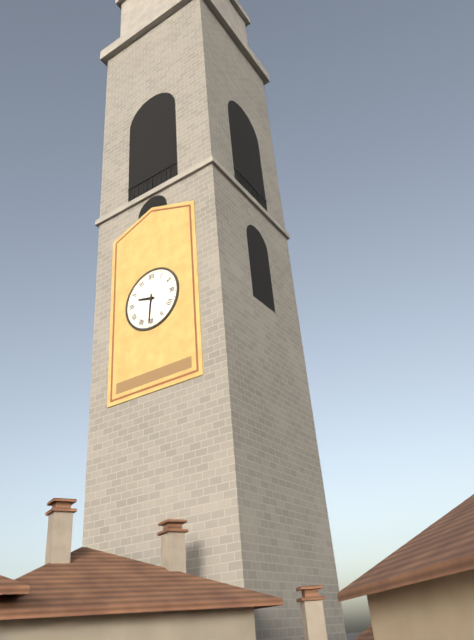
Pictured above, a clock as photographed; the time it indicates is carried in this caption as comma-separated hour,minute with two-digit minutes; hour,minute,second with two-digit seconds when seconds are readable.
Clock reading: 9,31
